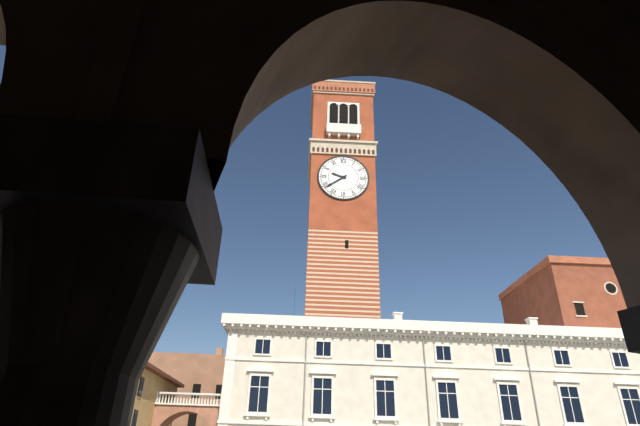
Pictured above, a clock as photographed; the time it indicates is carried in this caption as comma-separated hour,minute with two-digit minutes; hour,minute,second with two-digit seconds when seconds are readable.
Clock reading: 9,39
